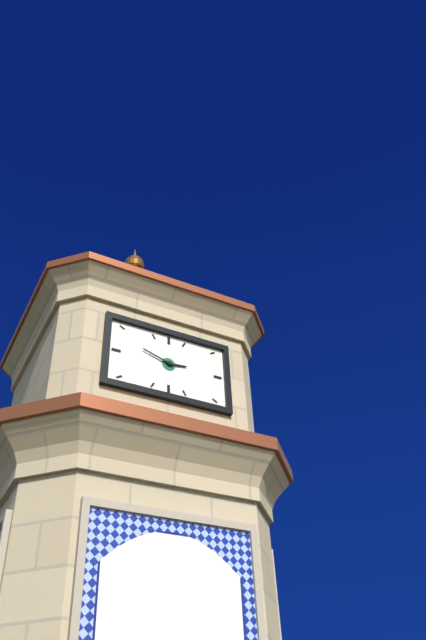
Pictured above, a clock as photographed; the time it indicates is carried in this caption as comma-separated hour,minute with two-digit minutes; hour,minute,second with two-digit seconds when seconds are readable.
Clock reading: 2,48
